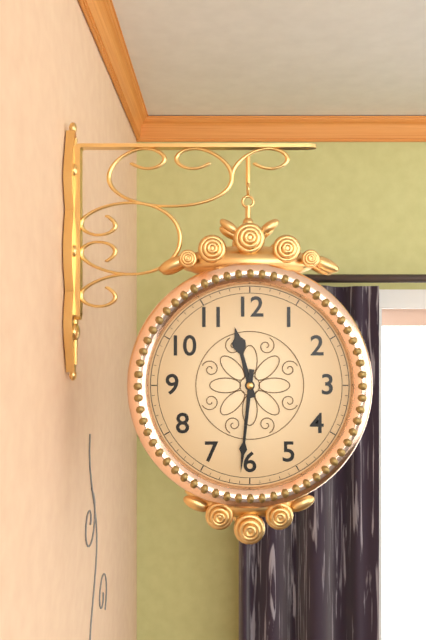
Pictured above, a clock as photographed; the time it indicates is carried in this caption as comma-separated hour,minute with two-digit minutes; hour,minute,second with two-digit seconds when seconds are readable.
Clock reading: 11,31
